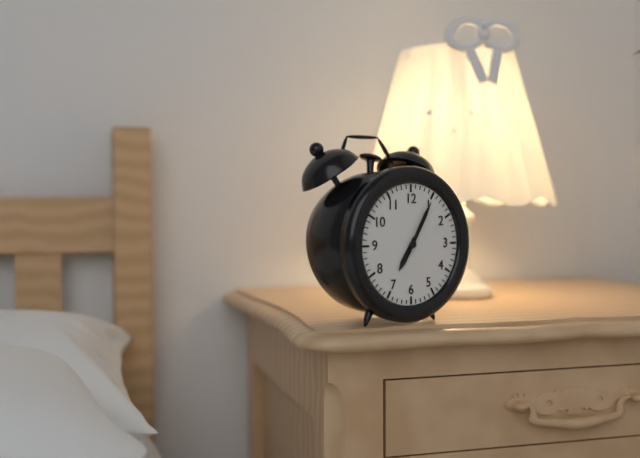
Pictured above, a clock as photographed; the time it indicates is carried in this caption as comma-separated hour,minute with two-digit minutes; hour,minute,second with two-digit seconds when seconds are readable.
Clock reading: 7,05
